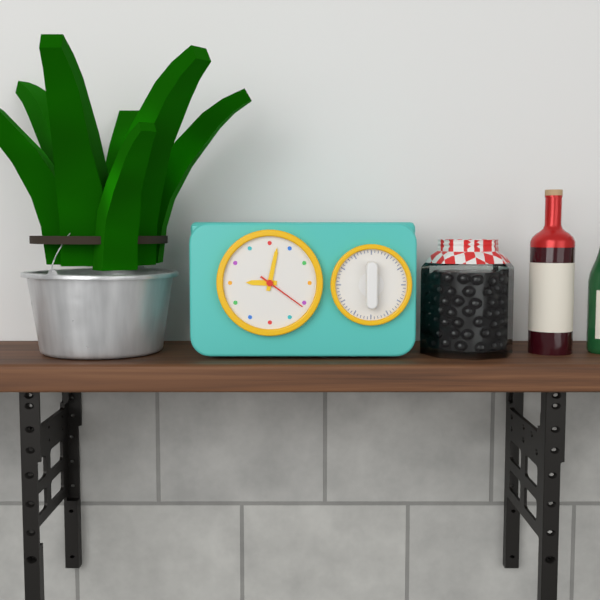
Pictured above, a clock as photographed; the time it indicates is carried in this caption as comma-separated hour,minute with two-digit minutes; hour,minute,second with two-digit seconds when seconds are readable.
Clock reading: 9,02,21
